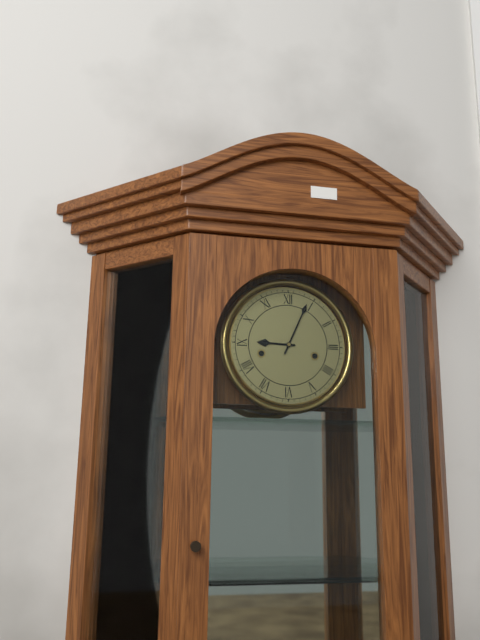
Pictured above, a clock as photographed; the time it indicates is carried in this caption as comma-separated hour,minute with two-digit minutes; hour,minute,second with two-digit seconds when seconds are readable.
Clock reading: 9,04
